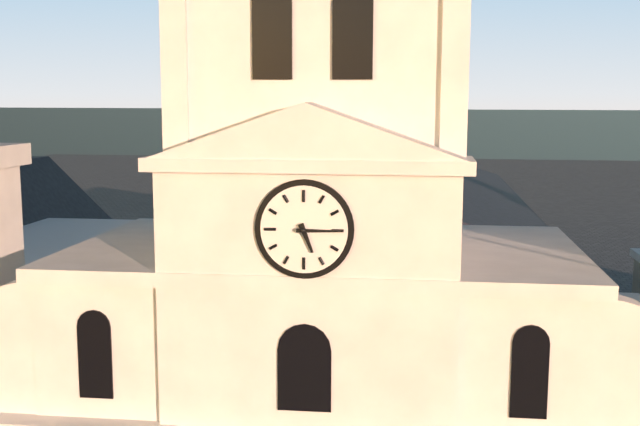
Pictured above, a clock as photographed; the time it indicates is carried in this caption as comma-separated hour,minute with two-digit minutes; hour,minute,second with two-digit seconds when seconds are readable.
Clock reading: 5,15
